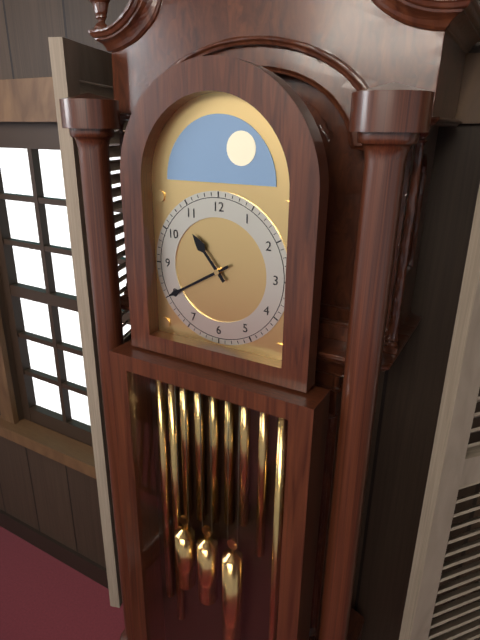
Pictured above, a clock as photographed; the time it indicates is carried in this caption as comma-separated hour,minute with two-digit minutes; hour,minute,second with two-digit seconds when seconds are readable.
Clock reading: 10,40
